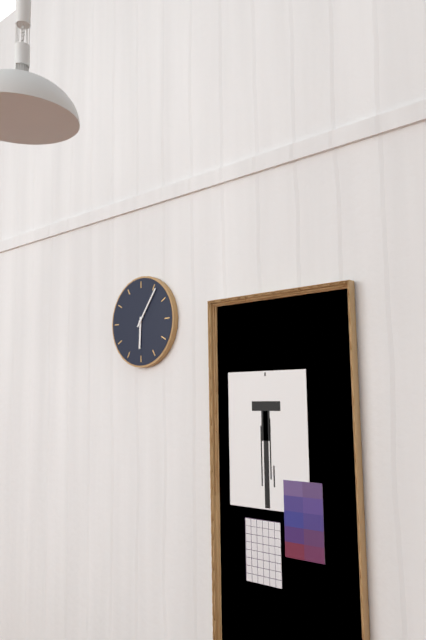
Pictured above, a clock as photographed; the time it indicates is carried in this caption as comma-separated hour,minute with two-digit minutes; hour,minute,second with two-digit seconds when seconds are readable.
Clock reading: 6,06
